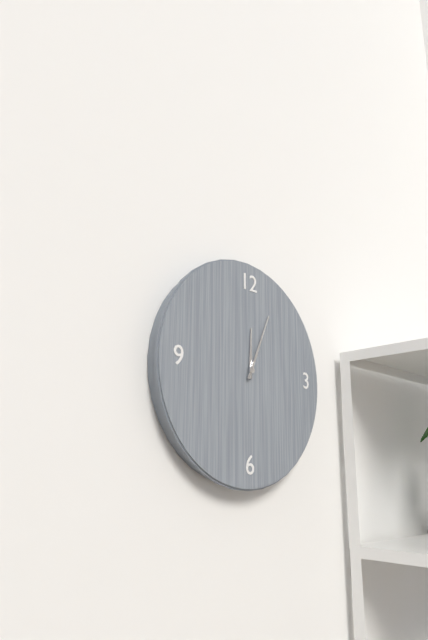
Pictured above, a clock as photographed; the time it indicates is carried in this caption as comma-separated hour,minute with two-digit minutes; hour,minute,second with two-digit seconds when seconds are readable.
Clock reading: 12,04
